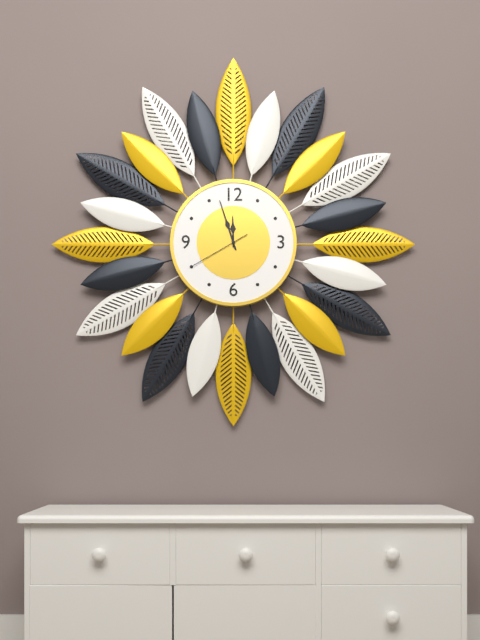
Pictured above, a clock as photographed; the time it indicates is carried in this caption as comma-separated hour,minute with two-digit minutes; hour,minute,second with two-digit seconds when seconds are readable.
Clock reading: 11,57,40
